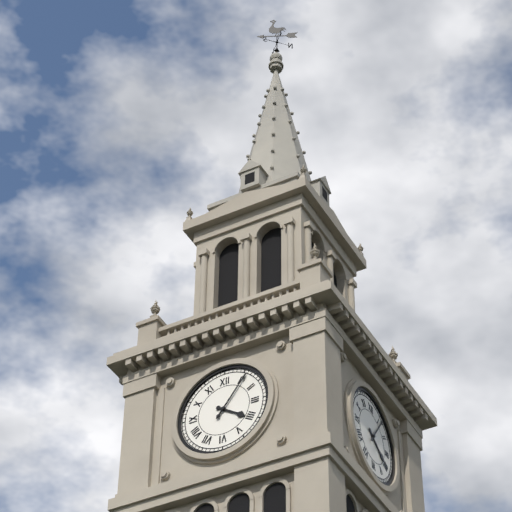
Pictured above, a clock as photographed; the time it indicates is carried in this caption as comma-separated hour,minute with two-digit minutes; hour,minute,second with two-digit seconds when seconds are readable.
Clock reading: 4,06
